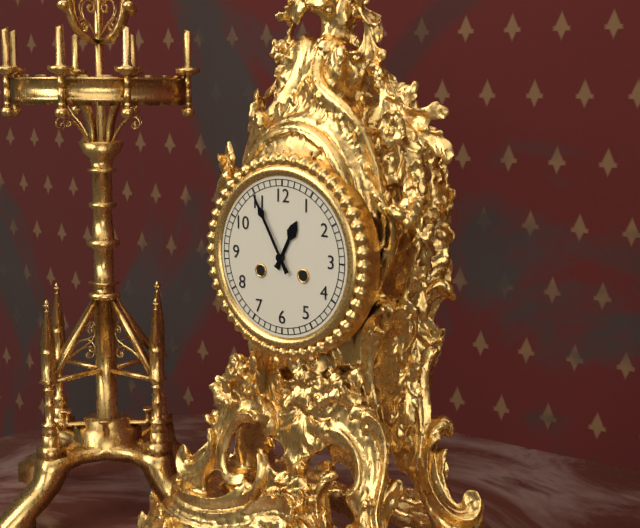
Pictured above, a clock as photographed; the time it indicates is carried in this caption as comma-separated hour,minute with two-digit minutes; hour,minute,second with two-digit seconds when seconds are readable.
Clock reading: 12,55
